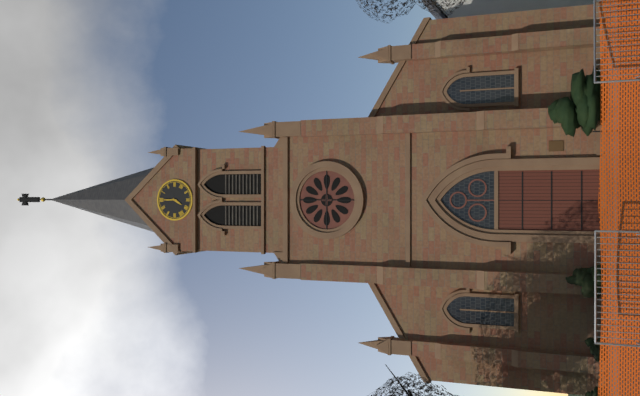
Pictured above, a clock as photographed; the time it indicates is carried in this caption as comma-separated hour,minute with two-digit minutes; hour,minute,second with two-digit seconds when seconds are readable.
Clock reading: 7,00
